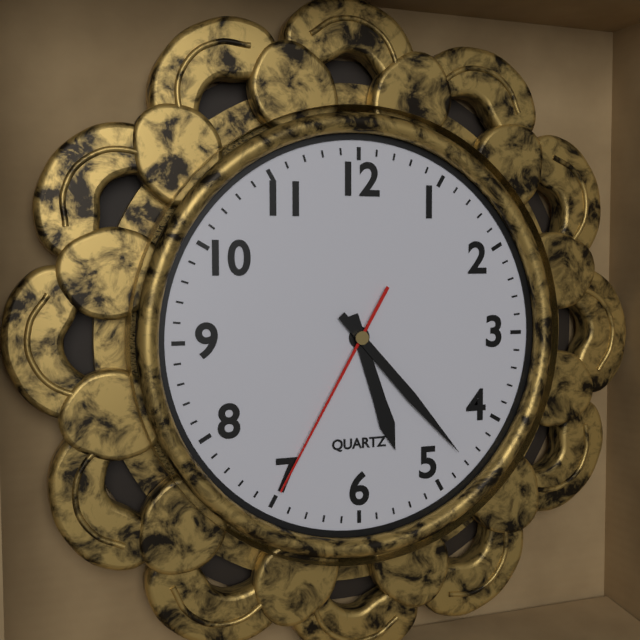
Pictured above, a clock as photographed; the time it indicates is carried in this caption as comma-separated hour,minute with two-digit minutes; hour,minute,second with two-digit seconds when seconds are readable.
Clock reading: 5,23,35
